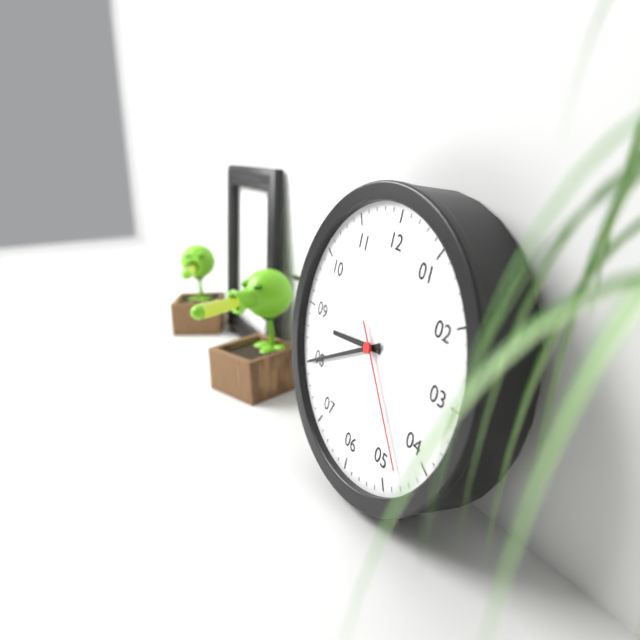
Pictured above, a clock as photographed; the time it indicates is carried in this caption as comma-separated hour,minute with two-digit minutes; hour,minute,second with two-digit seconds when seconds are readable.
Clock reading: 8,40,23
